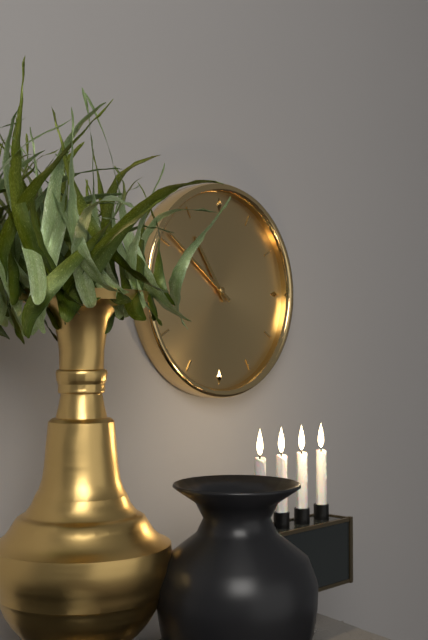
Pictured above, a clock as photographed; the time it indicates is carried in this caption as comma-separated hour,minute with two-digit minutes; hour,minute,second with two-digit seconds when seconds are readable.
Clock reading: 10,51
